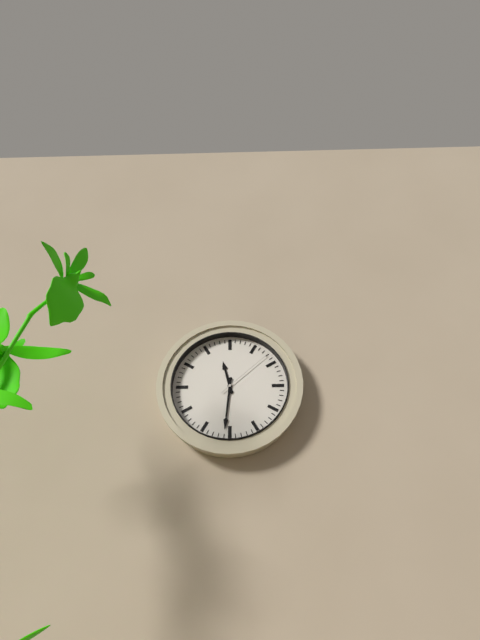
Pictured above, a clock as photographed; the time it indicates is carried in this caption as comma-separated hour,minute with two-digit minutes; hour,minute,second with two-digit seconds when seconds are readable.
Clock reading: 11,31,08
